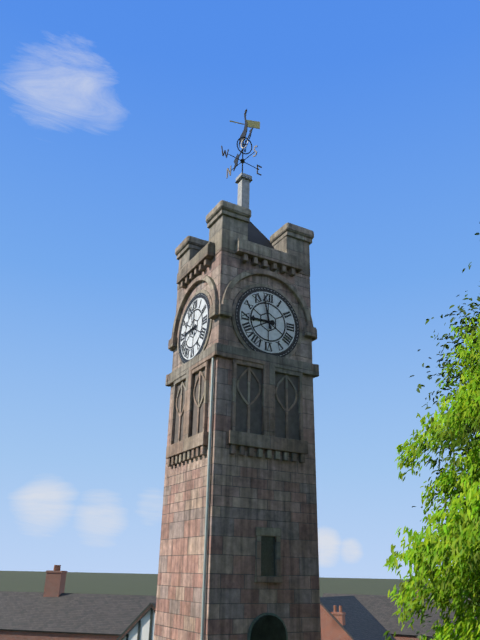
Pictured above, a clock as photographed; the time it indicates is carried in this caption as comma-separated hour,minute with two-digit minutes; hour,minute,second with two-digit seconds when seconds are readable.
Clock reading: 8,58
